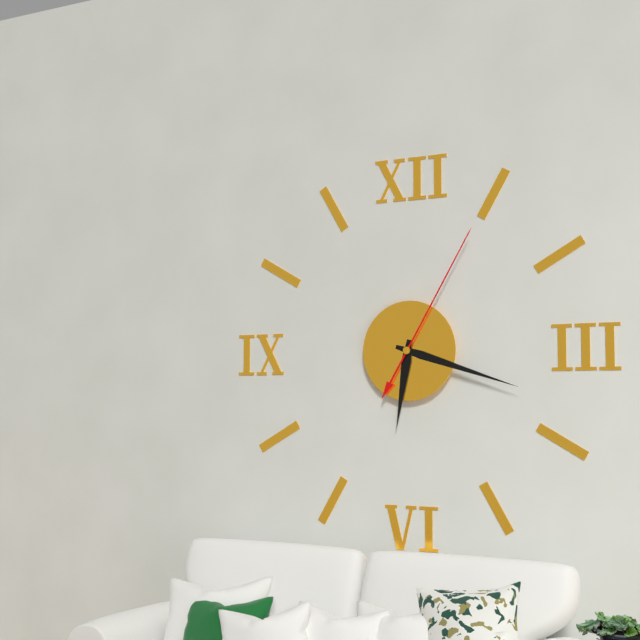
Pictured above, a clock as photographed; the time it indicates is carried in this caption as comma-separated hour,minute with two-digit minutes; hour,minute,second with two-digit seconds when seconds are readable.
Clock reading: 6,18,05
